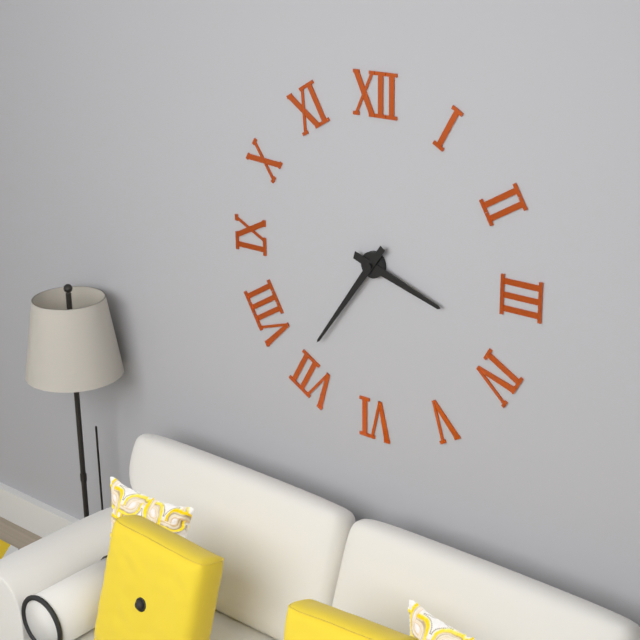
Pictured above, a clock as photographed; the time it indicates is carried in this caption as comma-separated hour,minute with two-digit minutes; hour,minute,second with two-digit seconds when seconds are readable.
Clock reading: 3,36
